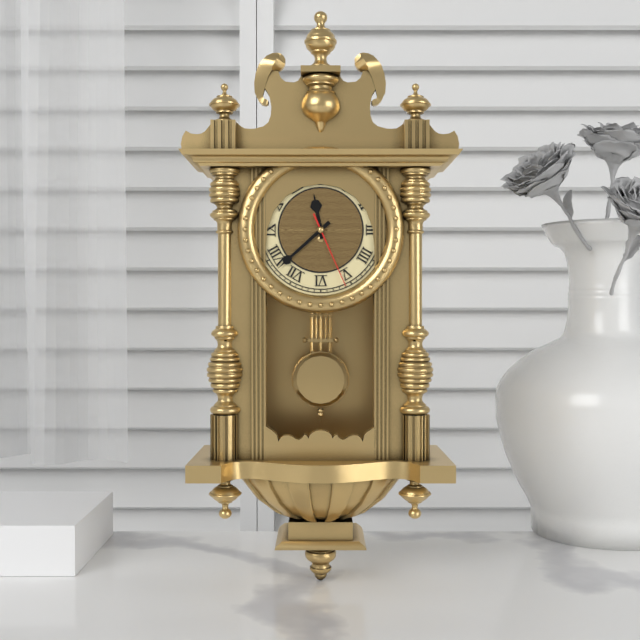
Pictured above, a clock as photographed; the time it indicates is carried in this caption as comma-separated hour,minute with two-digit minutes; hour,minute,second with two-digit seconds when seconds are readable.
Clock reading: 11,38,26
